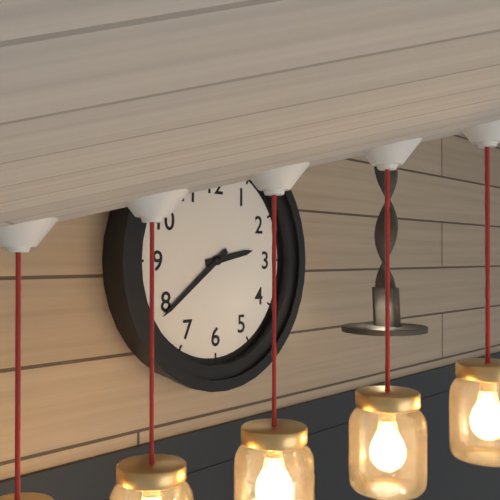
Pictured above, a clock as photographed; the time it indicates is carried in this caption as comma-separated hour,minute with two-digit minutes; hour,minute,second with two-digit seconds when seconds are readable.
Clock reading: 2,39
